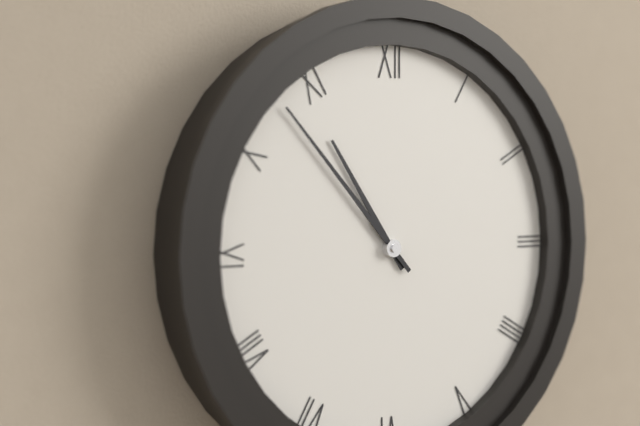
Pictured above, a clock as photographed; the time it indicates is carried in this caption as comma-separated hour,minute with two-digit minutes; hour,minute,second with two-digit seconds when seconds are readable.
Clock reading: 10,53
